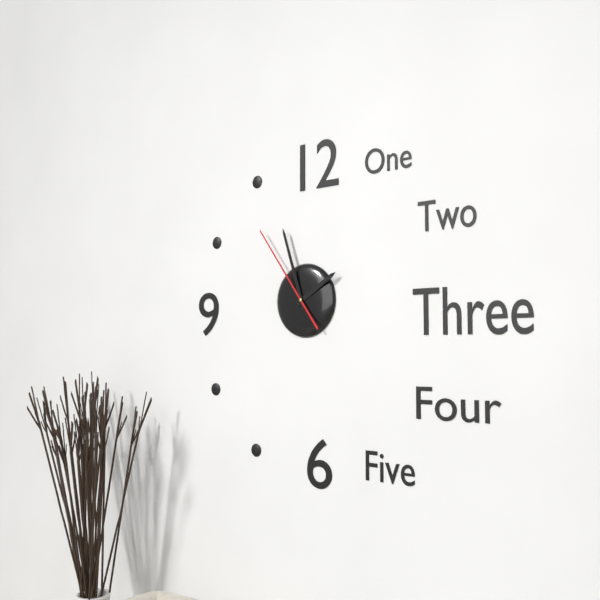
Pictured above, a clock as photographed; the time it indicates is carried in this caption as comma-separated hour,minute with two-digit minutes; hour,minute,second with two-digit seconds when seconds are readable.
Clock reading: 1,57,54
